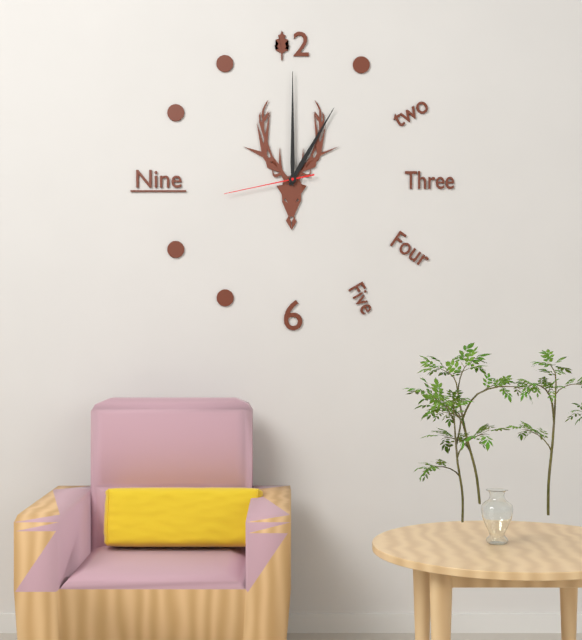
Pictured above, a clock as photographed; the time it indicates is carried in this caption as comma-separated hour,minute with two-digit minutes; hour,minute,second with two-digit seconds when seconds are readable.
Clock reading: 1,00,43
